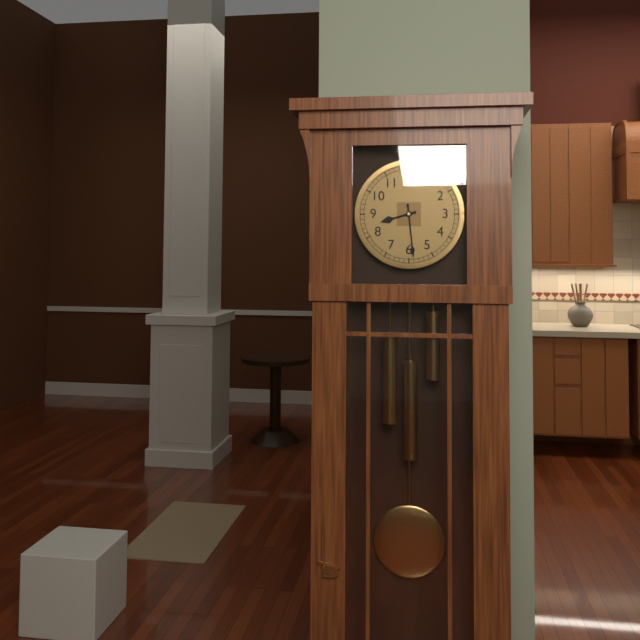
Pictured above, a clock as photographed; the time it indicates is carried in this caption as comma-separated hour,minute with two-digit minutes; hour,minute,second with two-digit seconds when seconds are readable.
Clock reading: 8,29
